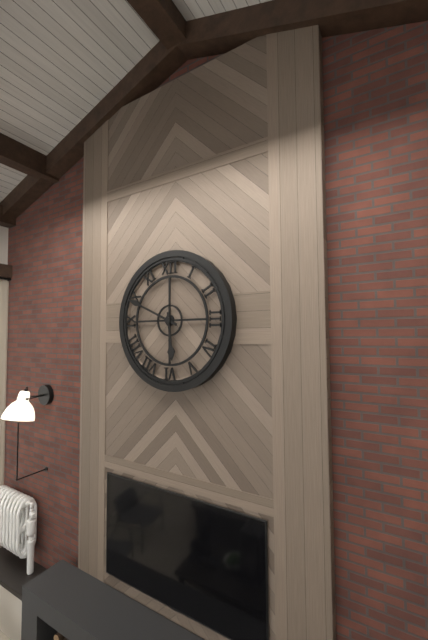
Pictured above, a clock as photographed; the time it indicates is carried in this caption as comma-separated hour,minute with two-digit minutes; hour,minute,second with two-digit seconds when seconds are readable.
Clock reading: 5,49
